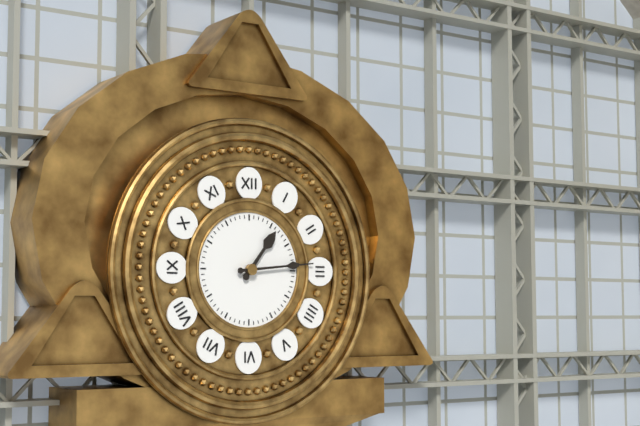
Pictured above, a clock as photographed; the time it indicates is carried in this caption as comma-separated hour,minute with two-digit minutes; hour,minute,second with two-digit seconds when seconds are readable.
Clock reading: 1,14
